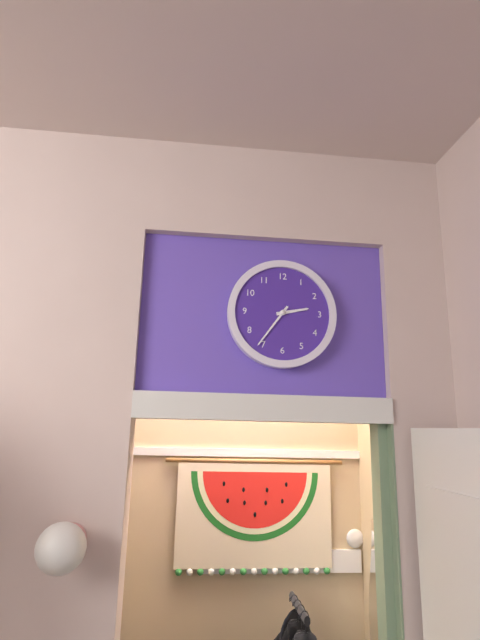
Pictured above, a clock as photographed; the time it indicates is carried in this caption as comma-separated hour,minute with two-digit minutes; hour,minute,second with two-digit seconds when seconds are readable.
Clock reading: 2,36
